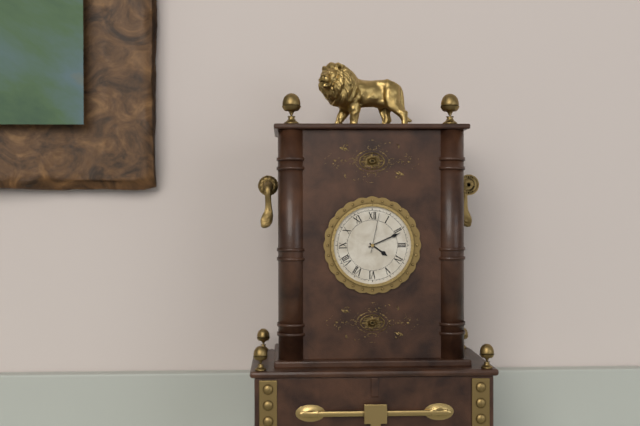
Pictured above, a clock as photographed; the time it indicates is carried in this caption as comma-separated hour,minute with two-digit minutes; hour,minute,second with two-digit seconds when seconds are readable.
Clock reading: 4,11
